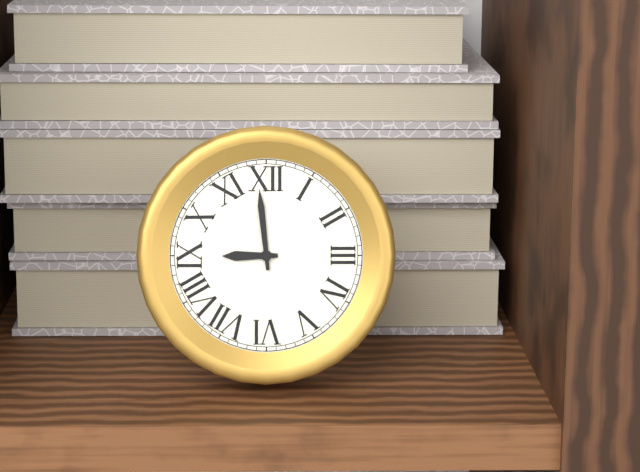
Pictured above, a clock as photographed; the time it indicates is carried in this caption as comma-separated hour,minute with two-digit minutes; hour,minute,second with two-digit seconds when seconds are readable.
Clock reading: 8,59
